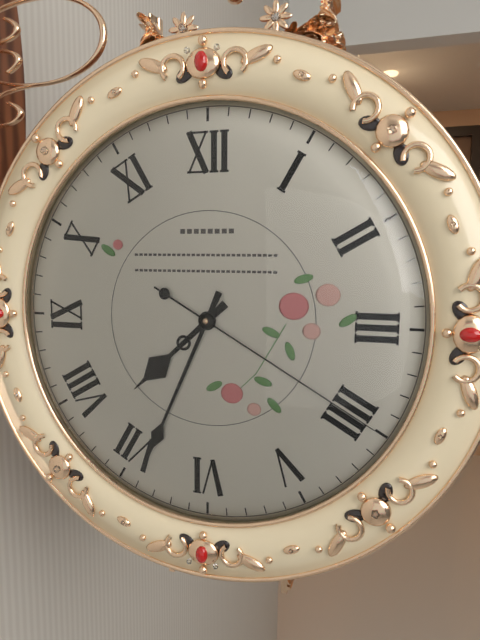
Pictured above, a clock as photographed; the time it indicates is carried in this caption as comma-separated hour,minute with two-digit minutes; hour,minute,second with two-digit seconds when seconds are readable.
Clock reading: 7,34,20
